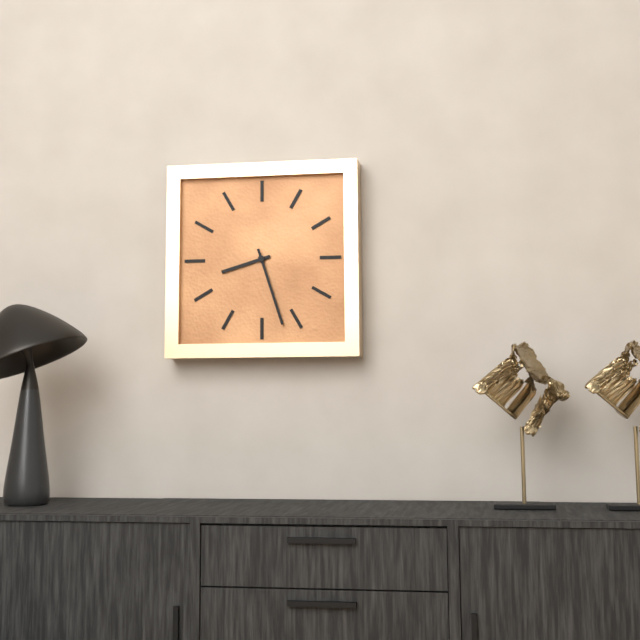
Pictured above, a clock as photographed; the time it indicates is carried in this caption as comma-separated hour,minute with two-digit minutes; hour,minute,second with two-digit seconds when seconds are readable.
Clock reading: 8,27
